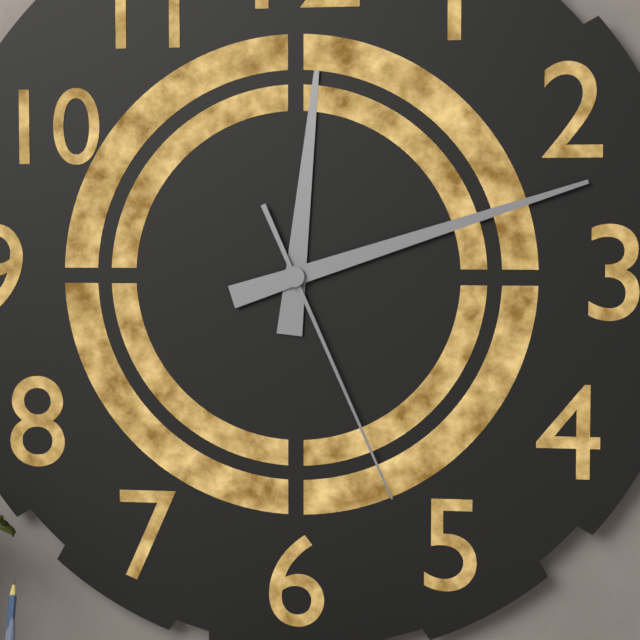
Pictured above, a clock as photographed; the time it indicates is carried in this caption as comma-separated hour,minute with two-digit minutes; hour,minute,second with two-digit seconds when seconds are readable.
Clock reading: 12,12,26
